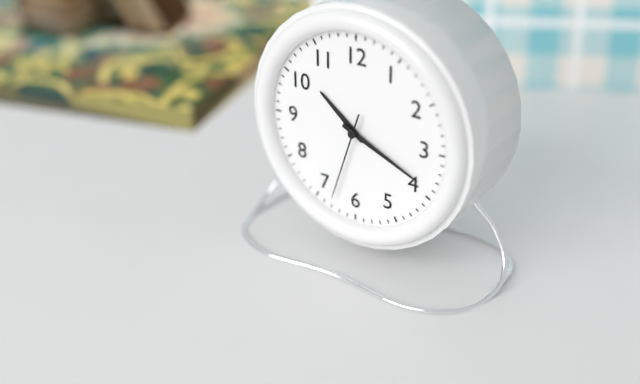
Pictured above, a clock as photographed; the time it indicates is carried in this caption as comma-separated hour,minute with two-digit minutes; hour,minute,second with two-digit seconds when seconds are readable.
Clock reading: 10,19,33
